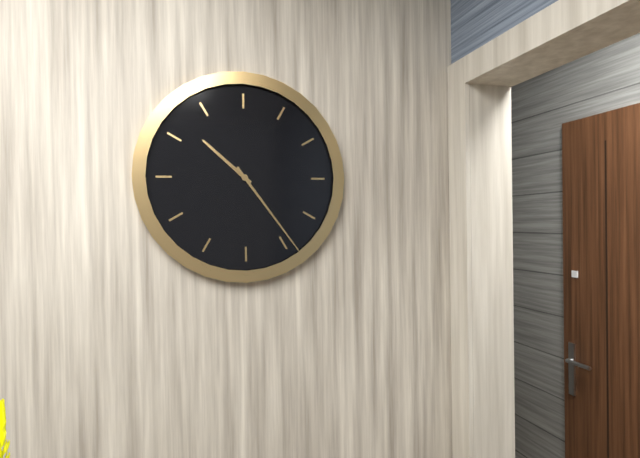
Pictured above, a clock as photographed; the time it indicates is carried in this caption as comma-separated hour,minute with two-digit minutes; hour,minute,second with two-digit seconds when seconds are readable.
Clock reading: 10,24
